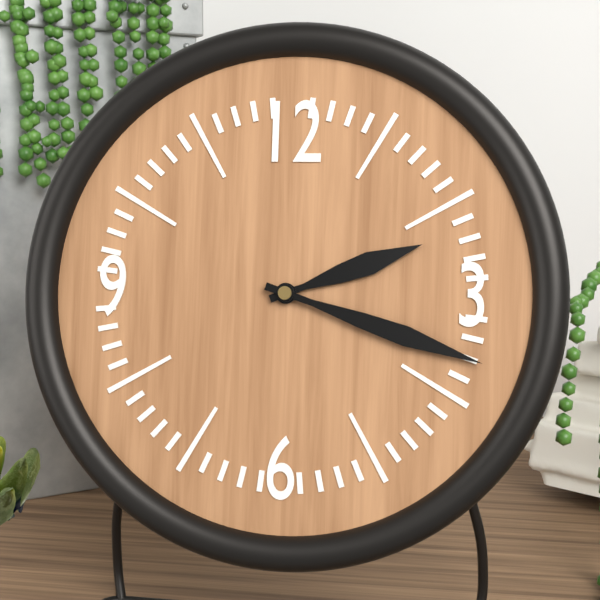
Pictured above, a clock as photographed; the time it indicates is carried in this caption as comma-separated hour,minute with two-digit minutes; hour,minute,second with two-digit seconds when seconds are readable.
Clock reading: 2,18
